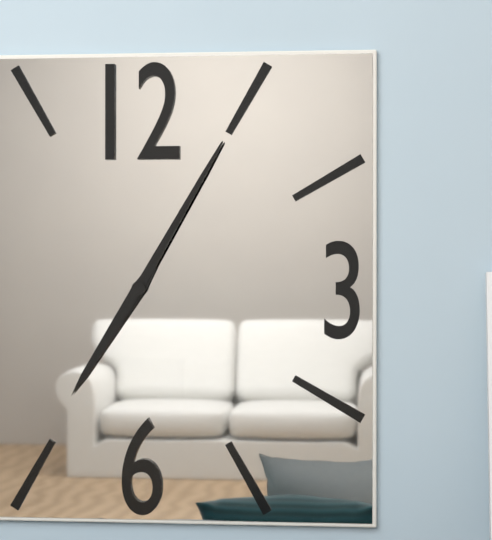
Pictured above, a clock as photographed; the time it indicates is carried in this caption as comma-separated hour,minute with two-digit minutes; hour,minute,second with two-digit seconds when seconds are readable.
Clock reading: 7,05
